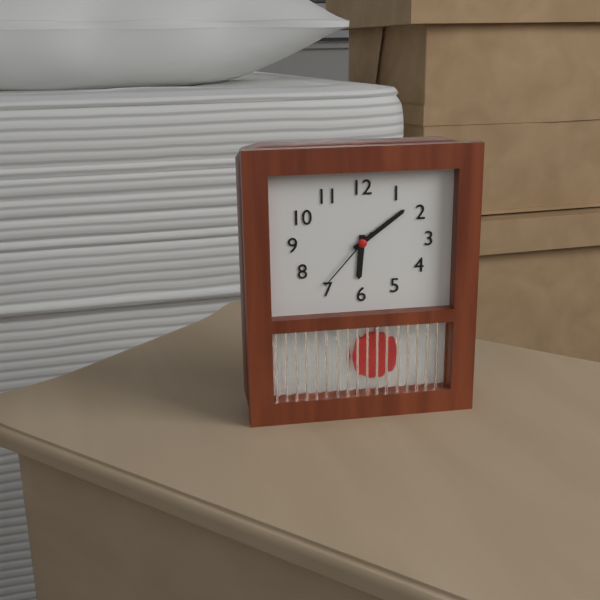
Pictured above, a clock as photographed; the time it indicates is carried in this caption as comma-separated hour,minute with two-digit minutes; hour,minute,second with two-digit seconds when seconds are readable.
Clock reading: 6,09,37
